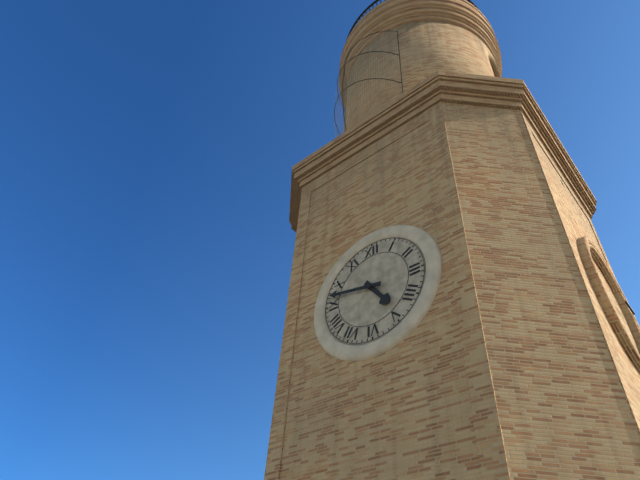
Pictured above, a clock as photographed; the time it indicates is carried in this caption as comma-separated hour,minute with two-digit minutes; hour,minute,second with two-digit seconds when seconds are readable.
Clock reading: 4,47
